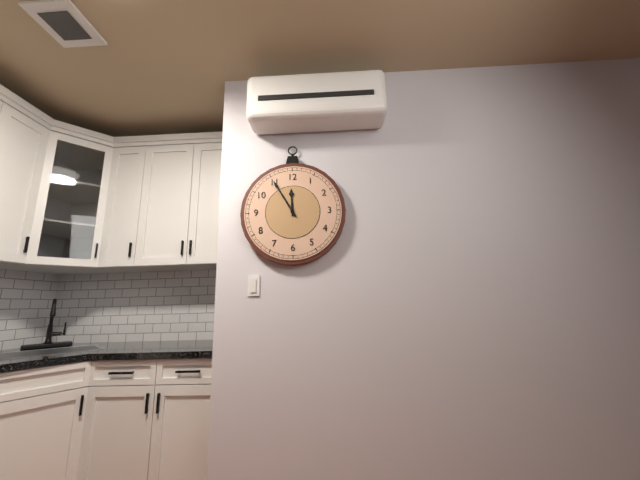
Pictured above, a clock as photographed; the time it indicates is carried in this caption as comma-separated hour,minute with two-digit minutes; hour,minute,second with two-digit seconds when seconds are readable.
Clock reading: 11,55
